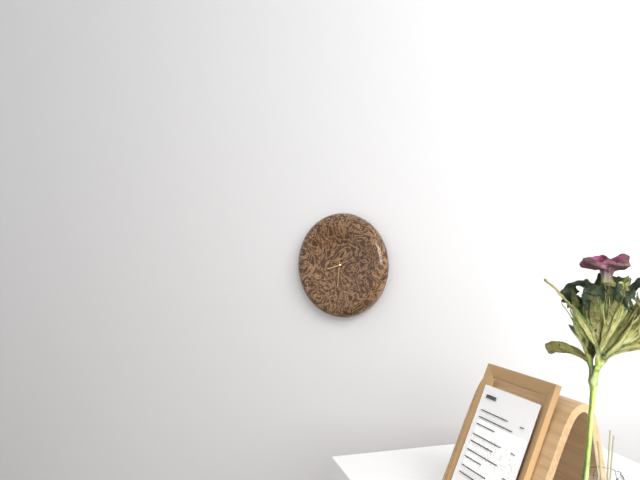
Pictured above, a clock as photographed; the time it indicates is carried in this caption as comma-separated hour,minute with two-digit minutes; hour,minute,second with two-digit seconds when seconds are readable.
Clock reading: 8,31
